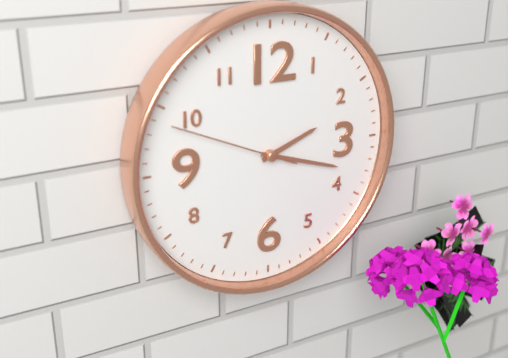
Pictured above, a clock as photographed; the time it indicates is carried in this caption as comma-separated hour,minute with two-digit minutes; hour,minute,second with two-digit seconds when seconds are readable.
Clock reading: 2,18,49
